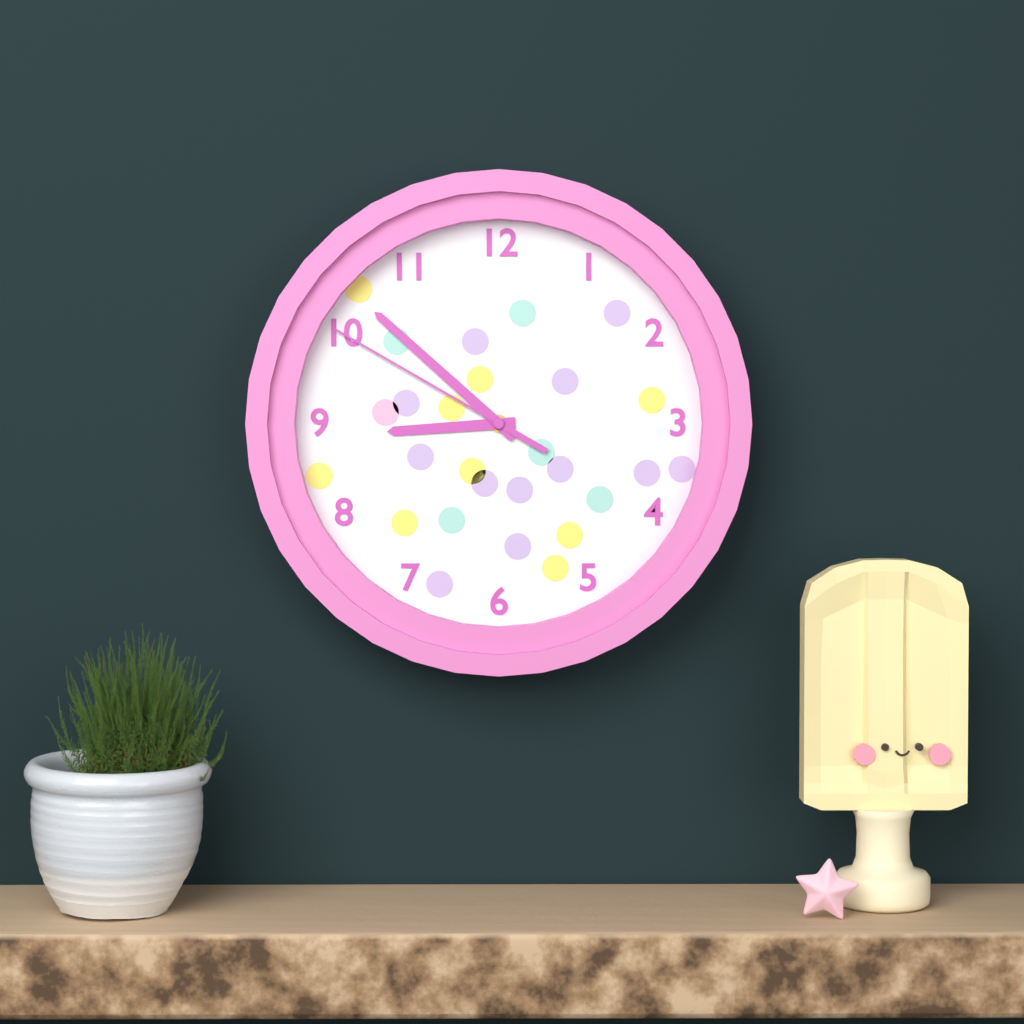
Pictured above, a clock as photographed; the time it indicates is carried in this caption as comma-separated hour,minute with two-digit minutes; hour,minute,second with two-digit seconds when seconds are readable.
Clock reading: 8,52,50
